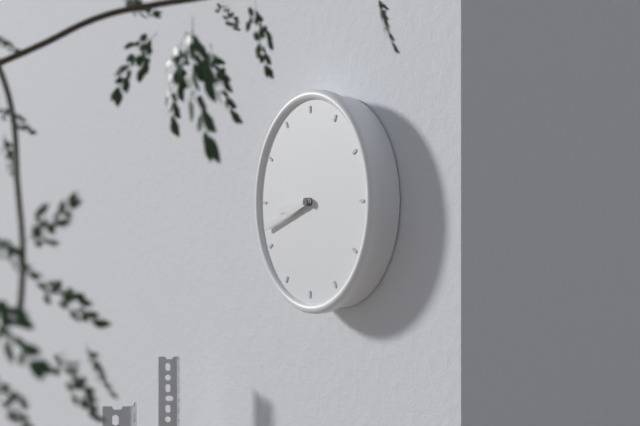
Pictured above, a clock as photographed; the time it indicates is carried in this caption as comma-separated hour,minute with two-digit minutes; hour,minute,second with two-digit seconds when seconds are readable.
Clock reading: 8,42
